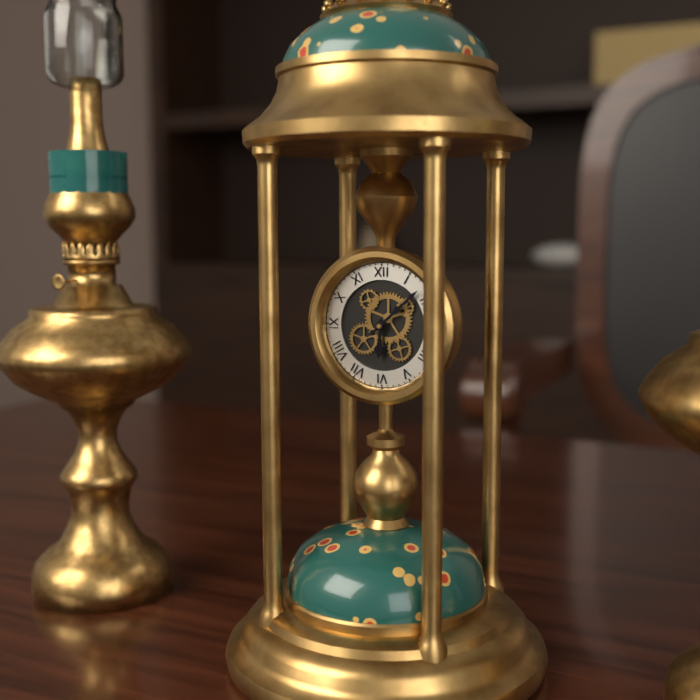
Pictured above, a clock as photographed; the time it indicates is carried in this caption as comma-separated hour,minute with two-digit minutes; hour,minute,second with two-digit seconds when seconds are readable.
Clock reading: 6,08
